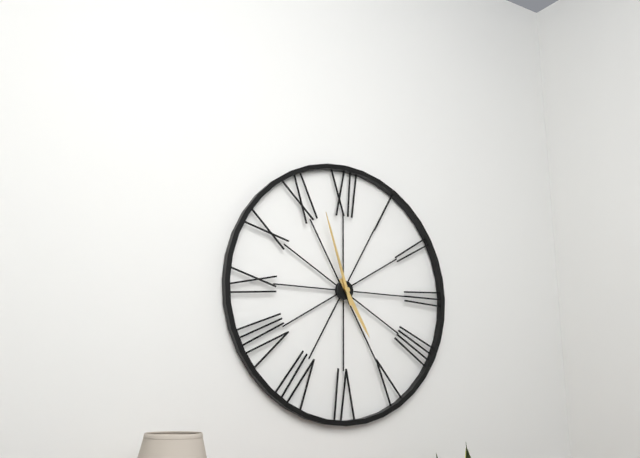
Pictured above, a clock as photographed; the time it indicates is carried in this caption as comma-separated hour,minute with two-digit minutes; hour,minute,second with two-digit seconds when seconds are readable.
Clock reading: 4,57
